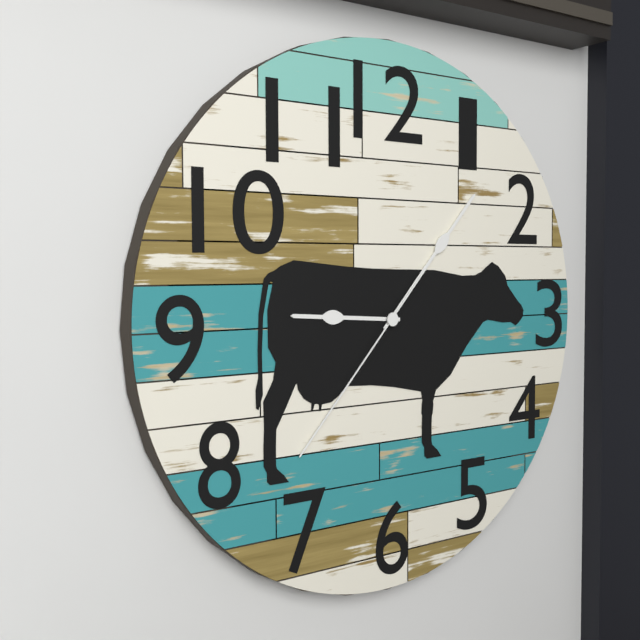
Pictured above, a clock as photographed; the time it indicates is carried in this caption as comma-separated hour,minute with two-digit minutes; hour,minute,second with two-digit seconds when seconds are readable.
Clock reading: 9,07,37
